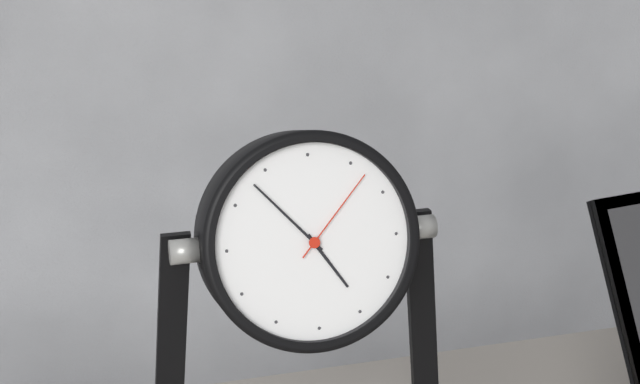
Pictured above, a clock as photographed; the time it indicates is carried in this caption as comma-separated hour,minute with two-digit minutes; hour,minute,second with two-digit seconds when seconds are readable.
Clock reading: 4,53,07
